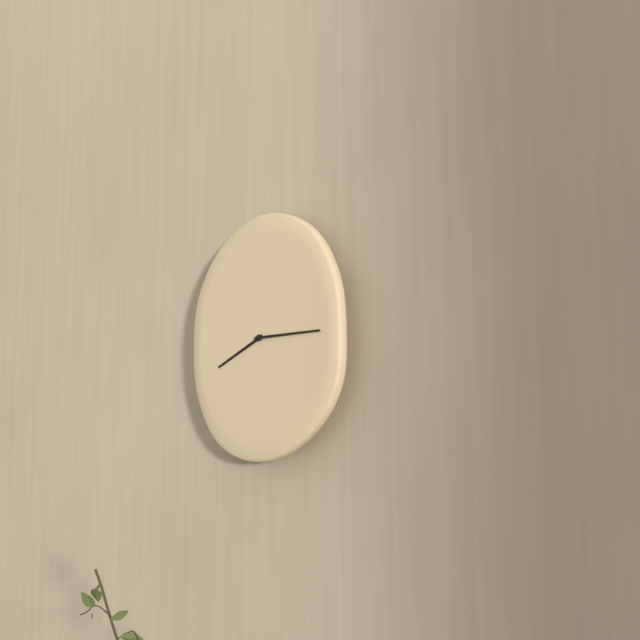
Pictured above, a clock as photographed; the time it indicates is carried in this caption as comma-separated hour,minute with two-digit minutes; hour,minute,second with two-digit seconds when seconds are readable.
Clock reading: 8,15
